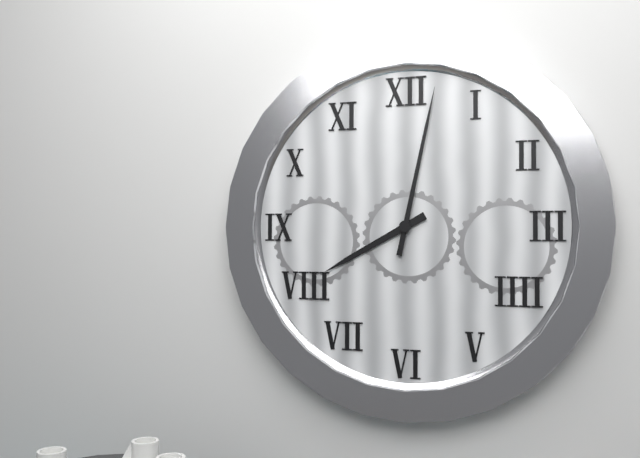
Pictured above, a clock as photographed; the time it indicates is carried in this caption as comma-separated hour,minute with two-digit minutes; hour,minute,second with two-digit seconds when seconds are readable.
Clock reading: 8,02
